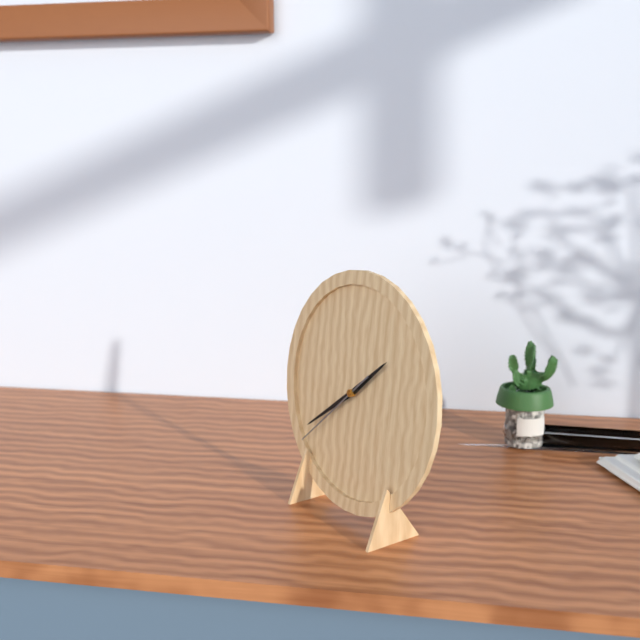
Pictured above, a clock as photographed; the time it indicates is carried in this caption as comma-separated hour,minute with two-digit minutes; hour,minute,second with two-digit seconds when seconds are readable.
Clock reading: 1,39,38
